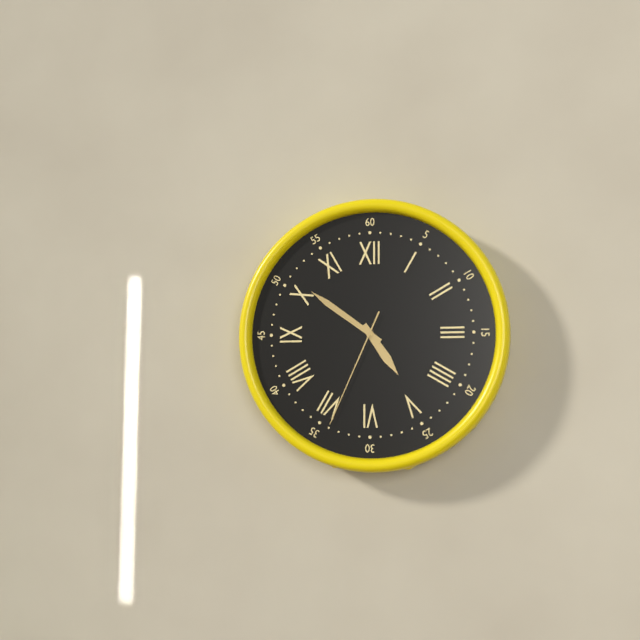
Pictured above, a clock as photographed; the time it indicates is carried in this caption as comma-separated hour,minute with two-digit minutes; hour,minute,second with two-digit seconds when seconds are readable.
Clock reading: 4,51,34
